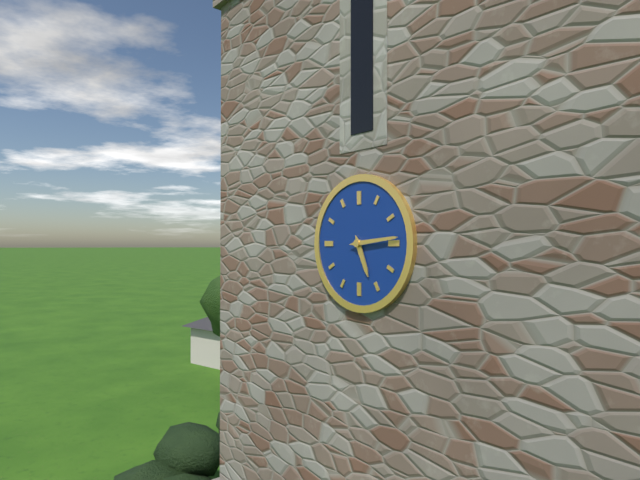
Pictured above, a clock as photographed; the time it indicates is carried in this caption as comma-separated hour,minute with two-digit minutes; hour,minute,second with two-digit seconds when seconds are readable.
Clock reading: 5,14
